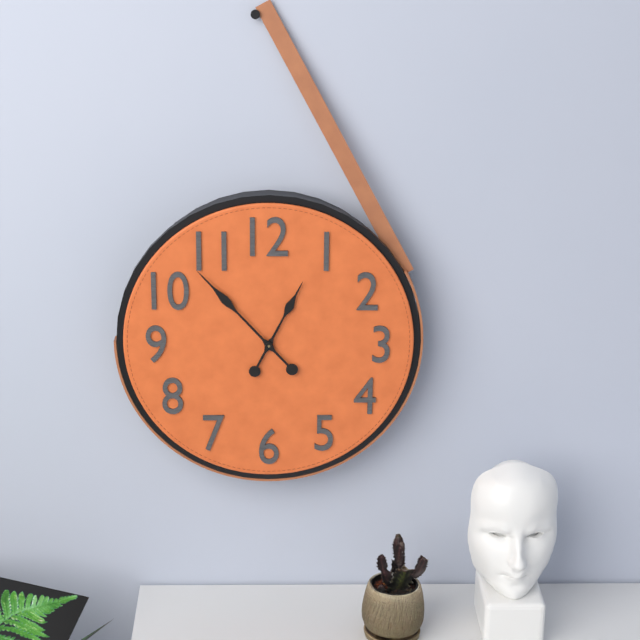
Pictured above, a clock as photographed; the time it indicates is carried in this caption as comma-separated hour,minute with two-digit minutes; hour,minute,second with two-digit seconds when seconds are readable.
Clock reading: 12,53
